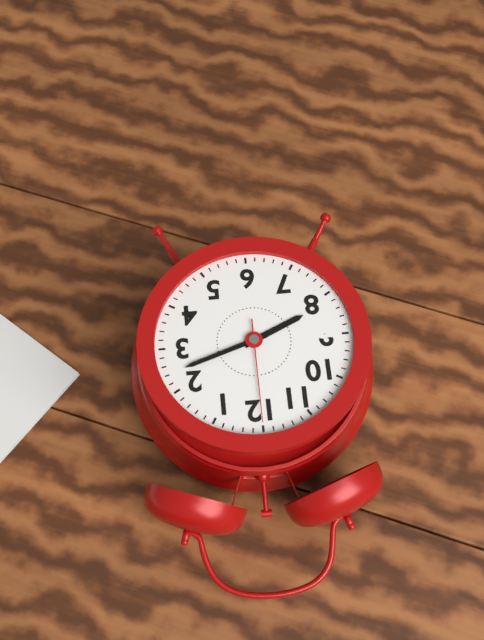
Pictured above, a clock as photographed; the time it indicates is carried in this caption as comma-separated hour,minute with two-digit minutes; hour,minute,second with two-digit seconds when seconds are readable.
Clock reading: 8,12,00
